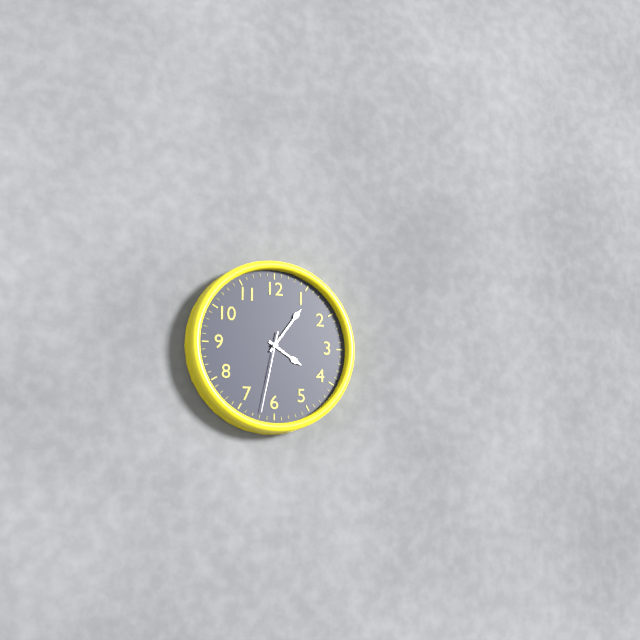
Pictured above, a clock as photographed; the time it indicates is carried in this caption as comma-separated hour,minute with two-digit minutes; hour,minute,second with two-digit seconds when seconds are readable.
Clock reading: 4,06,32
